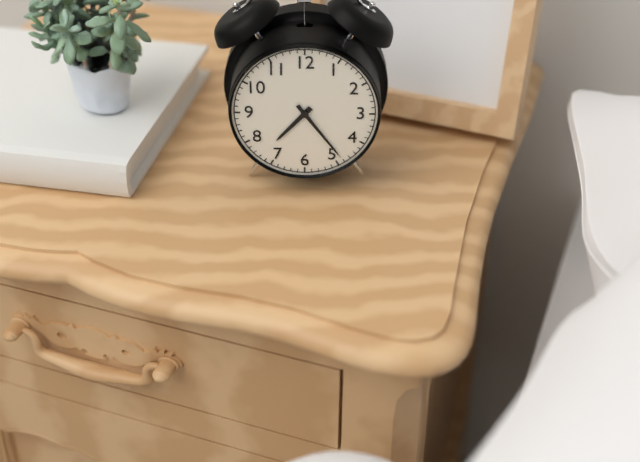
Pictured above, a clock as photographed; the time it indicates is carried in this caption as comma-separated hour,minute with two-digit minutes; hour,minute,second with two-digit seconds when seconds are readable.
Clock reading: 7,24
